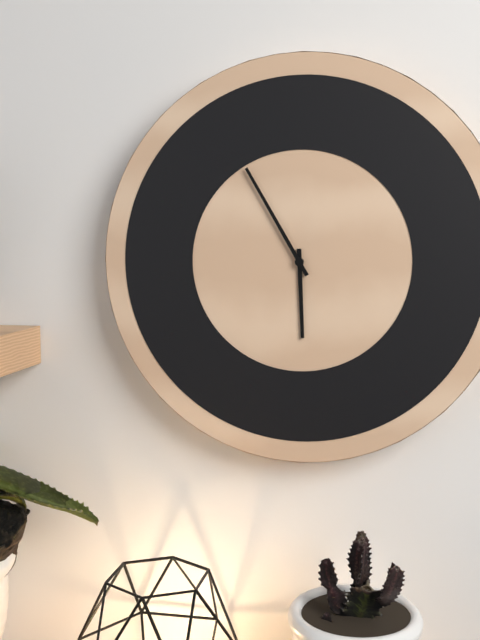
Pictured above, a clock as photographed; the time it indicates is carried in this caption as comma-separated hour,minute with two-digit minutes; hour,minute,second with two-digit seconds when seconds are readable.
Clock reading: 5,55
